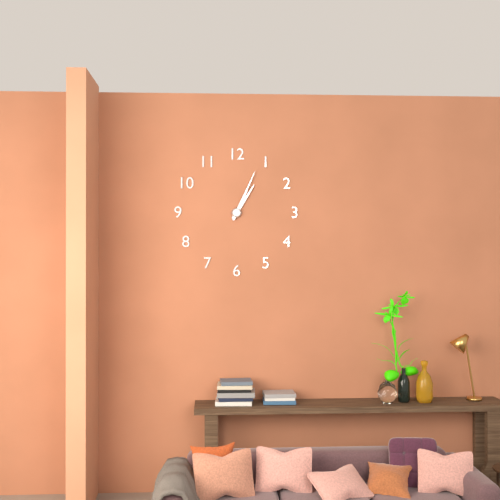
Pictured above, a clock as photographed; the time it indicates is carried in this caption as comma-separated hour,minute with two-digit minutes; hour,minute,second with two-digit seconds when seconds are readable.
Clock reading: 1,04
